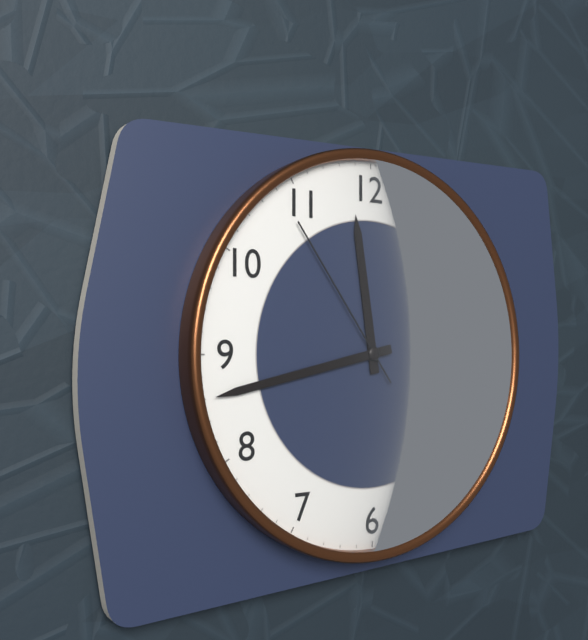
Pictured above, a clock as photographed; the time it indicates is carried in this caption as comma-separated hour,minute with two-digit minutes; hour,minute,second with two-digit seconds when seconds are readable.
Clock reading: 11,43,54
